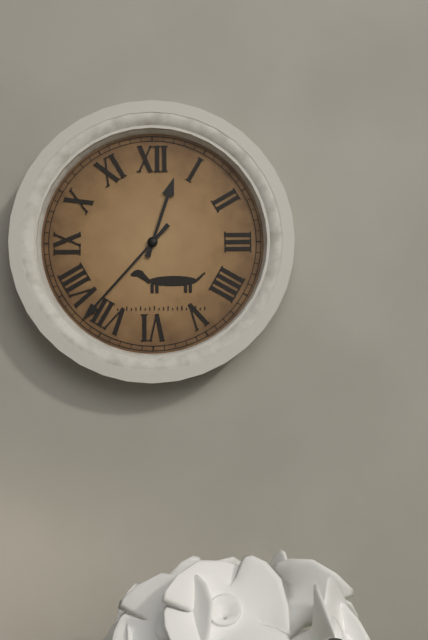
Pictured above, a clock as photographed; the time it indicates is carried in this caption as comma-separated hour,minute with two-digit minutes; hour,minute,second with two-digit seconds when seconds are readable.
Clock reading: 12,37
